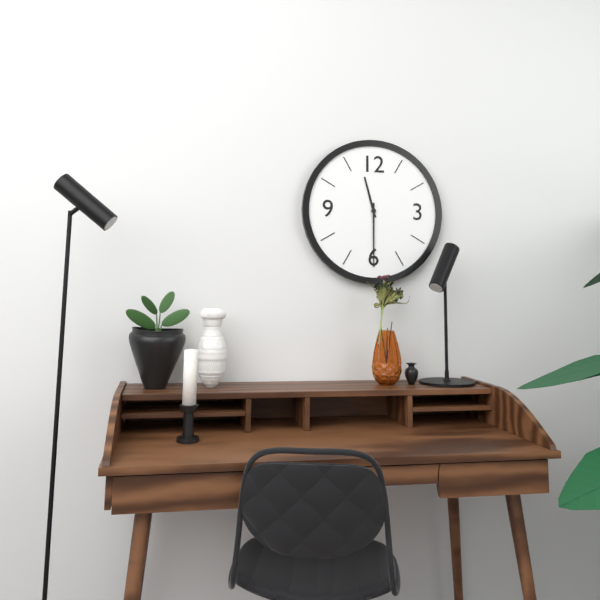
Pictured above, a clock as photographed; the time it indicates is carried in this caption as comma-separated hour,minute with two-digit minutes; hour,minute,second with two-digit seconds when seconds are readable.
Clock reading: 11,30
